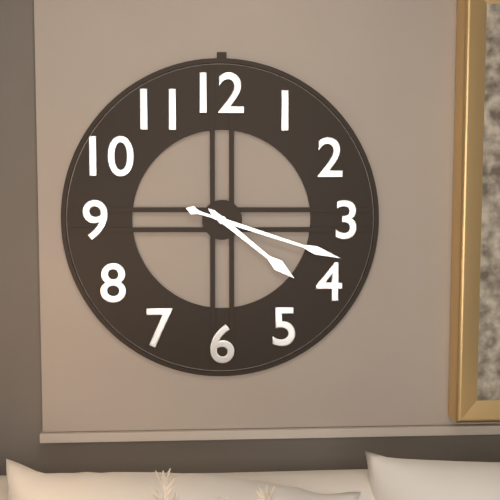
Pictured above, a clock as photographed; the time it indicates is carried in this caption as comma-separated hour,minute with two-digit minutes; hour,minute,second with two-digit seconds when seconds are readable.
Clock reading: 4,18
